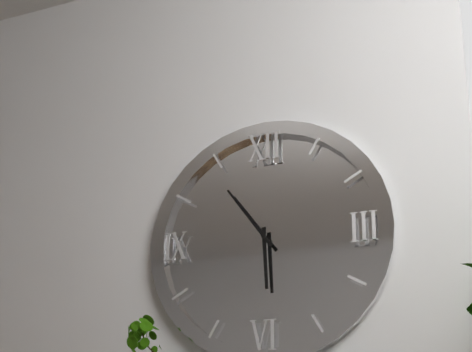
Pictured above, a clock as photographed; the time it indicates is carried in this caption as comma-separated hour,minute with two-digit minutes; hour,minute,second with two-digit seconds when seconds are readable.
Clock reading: 5,54
